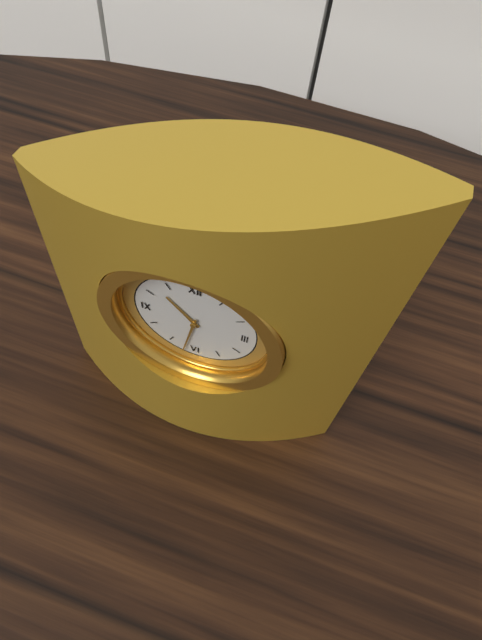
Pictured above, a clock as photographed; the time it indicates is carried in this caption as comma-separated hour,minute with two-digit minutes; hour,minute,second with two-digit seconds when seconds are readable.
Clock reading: 10,32
